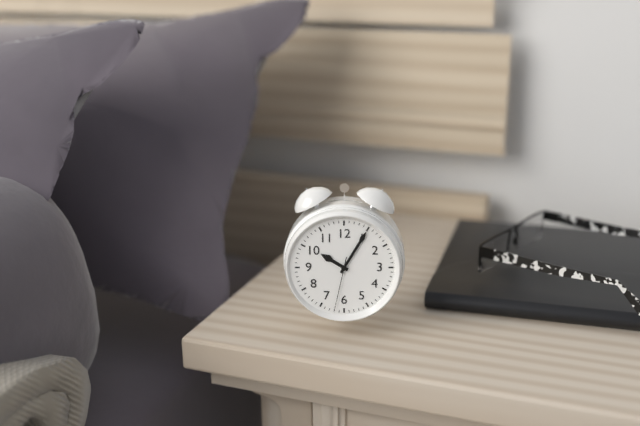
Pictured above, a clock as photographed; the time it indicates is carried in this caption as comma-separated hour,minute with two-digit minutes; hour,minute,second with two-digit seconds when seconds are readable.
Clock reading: 10,05,32
